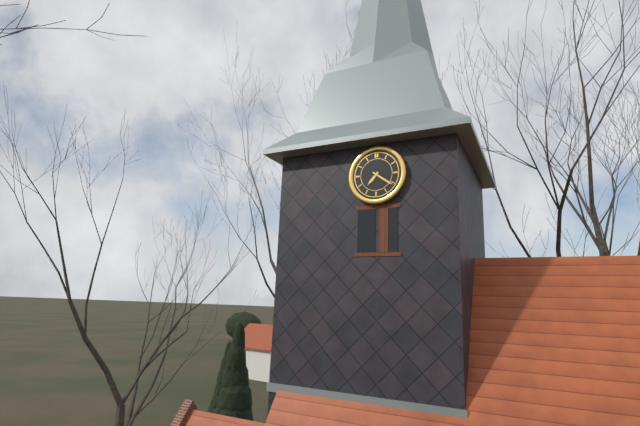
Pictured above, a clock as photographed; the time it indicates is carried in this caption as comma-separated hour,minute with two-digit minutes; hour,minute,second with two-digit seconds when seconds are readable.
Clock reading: 7,21
